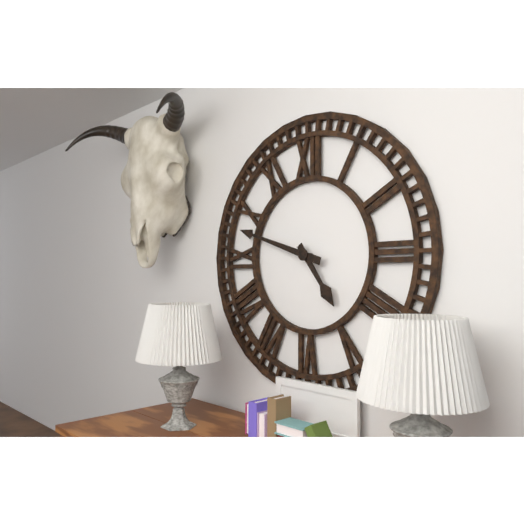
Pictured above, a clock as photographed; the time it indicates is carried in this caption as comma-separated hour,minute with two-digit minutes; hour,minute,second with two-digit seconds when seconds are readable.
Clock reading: 4,48
